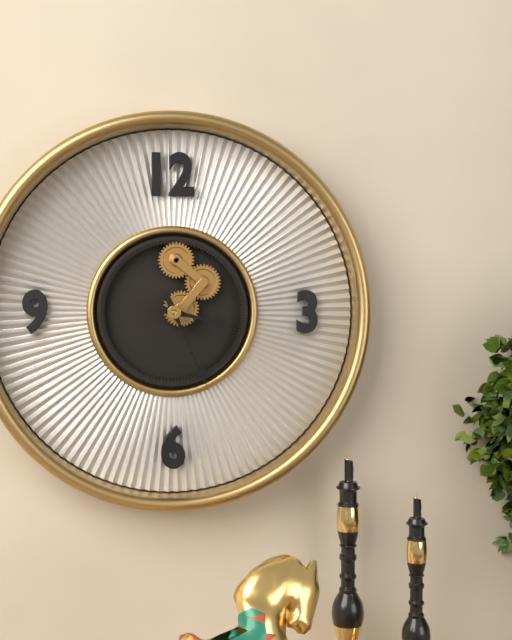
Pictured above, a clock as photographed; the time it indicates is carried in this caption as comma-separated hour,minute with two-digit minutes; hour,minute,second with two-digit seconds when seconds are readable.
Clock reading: 3,26
